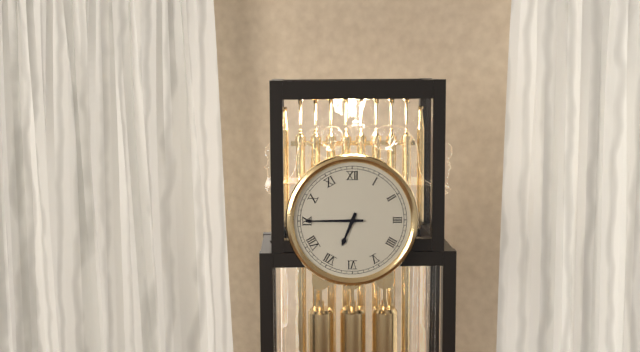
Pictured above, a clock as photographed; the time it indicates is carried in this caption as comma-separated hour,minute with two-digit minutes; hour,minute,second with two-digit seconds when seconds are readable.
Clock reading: 6,45
